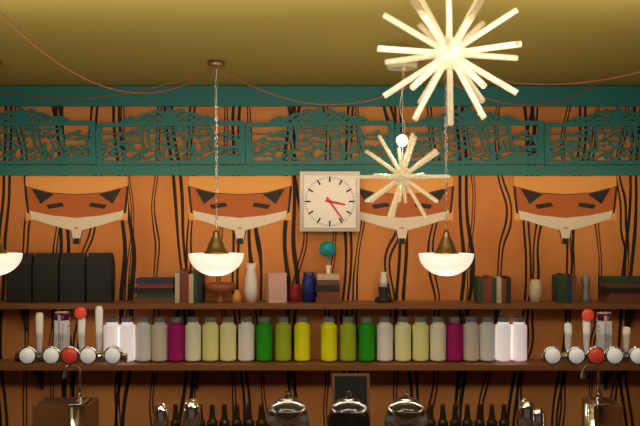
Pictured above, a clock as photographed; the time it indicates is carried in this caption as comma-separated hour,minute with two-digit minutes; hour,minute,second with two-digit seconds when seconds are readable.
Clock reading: 3,24
